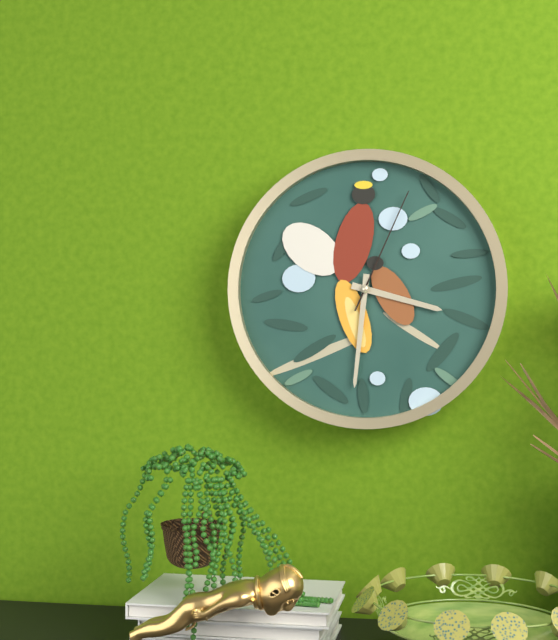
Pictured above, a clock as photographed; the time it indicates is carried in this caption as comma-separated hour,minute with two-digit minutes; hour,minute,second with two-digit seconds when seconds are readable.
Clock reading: 3,31,04
